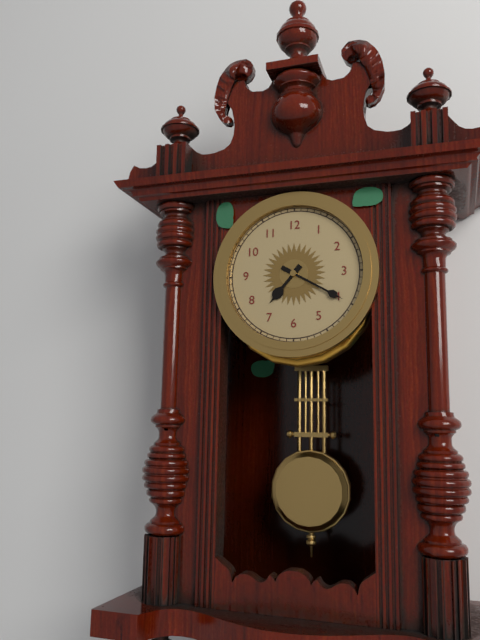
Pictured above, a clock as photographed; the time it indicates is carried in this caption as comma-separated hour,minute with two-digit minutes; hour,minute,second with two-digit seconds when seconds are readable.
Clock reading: 7,20
